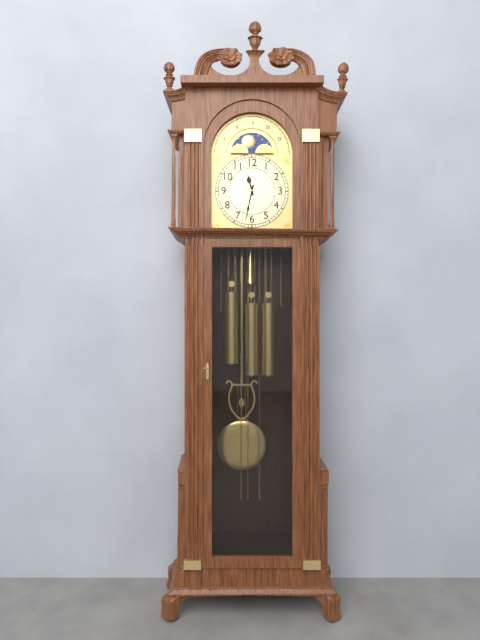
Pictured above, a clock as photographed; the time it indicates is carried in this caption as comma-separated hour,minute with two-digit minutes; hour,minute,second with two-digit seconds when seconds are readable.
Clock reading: 11,32
